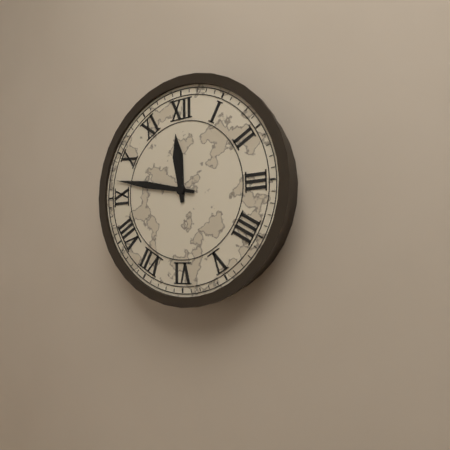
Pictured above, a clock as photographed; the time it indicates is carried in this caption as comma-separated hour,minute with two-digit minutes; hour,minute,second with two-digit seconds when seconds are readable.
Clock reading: 11,47
